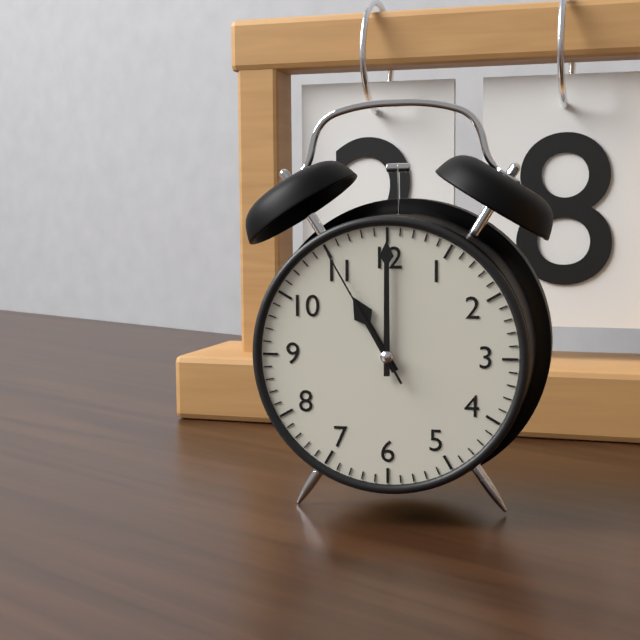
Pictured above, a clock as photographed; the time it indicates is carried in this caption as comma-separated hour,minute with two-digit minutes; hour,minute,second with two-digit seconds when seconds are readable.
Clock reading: 11,00,55
